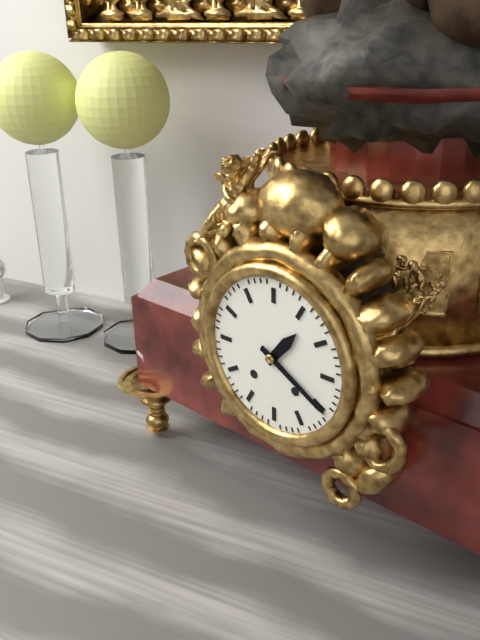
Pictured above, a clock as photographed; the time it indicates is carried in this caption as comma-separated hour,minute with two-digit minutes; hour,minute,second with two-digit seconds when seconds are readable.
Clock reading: 1,20
